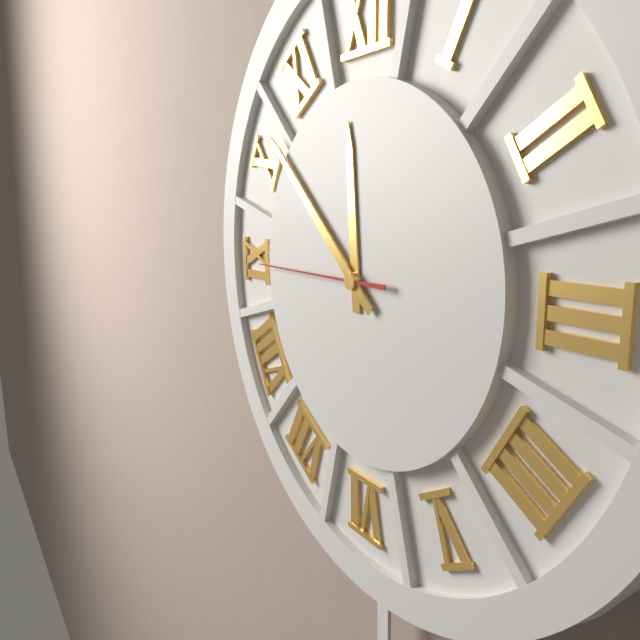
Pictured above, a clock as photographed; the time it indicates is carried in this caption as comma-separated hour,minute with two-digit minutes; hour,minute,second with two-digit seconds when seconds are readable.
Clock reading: 11,52,45
